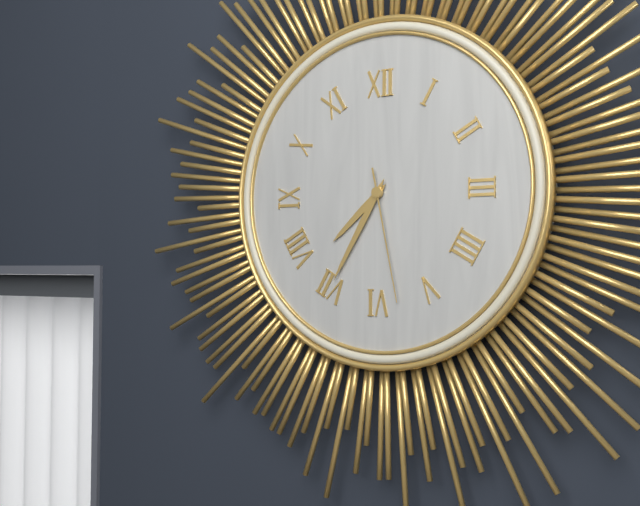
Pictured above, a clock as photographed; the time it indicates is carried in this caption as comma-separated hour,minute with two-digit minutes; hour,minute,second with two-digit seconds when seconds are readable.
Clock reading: 7,35,28
